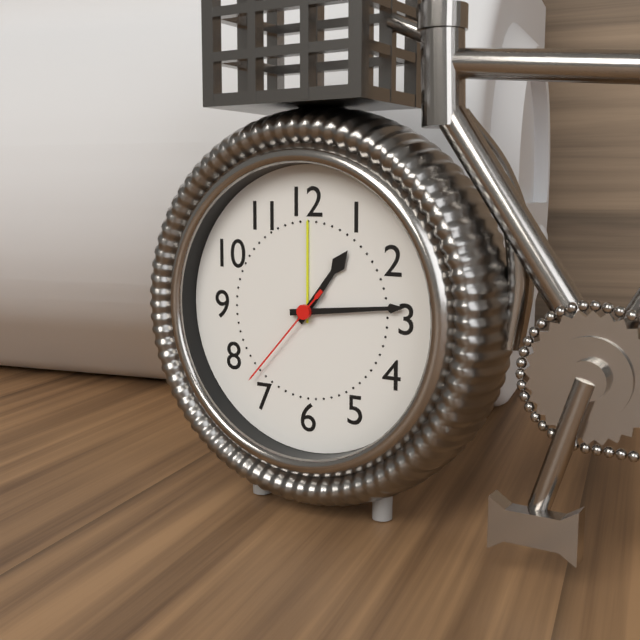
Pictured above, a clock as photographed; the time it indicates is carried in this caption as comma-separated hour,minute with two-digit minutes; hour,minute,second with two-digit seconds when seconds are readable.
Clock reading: 1,14,37
